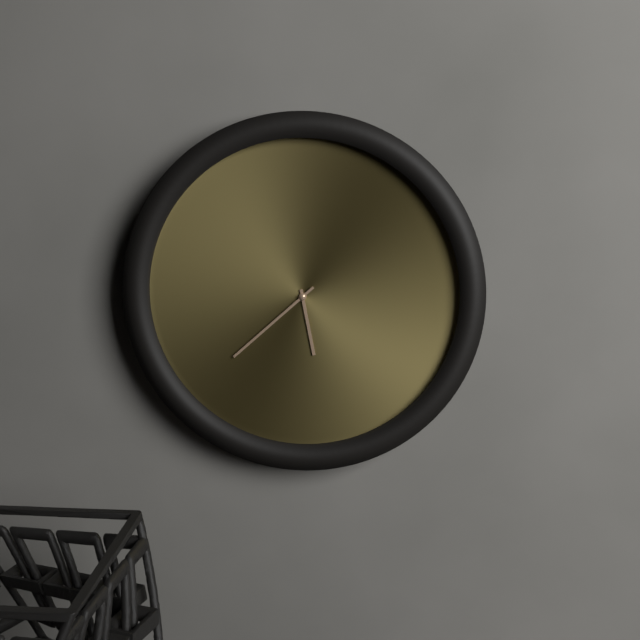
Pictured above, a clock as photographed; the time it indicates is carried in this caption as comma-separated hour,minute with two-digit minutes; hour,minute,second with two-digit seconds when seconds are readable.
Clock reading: 5,38
